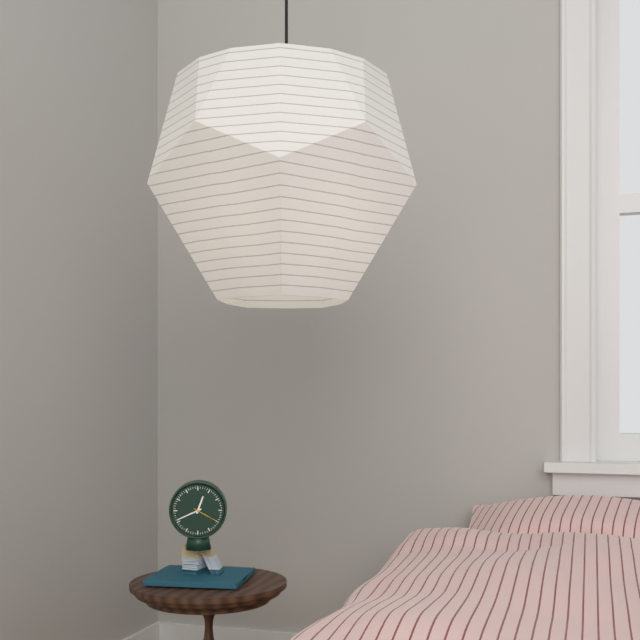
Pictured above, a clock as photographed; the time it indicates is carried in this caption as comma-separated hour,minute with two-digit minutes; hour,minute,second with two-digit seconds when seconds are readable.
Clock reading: 12,41
